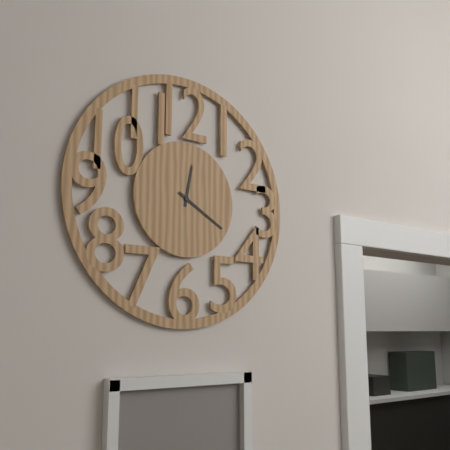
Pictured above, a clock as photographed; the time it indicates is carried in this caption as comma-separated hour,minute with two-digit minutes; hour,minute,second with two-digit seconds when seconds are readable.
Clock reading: 12,20
